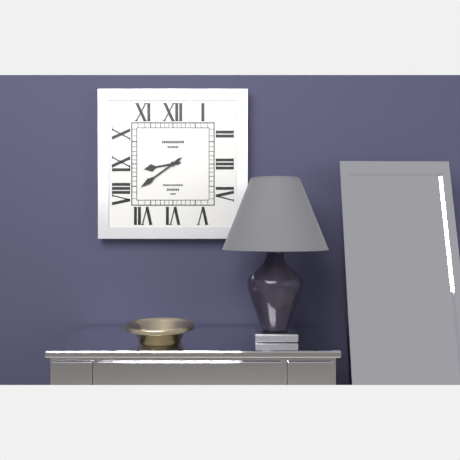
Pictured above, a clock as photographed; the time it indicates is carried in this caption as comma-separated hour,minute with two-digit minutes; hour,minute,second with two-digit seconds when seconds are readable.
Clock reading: 8,39
